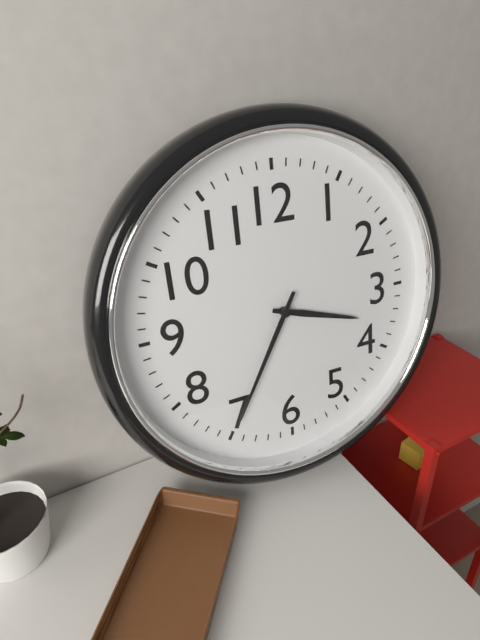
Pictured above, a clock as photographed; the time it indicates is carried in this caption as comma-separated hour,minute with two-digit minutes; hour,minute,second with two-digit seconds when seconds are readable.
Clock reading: 3,35
